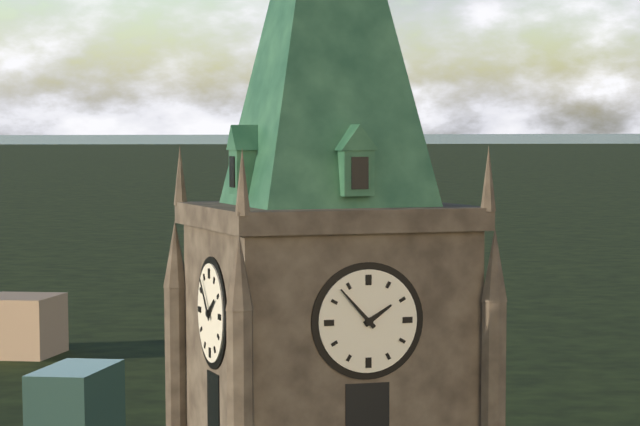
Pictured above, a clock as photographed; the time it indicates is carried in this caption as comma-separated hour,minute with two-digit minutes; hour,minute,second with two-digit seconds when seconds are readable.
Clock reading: 1,53
